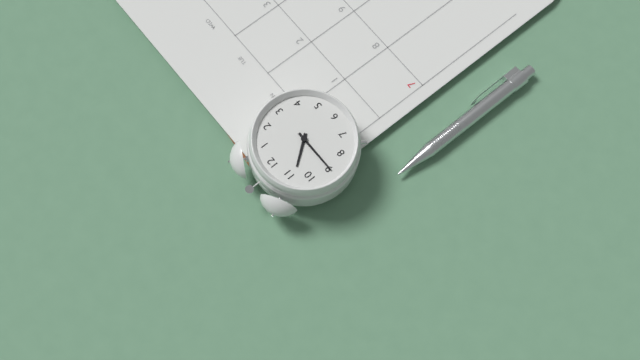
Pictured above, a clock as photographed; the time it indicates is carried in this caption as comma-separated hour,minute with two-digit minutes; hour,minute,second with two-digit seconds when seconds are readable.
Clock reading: 10,45
